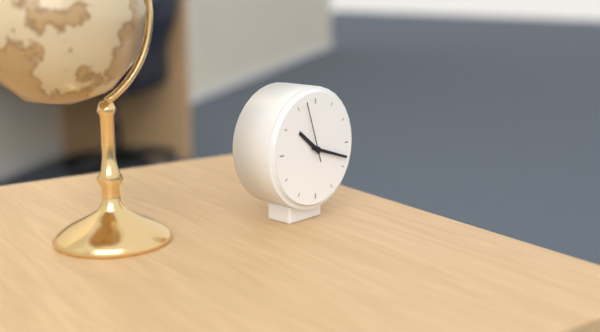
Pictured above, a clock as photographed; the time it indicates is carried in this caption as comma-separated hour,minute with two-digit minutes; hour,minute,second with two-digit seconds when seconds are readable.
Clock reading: 10,18,57
